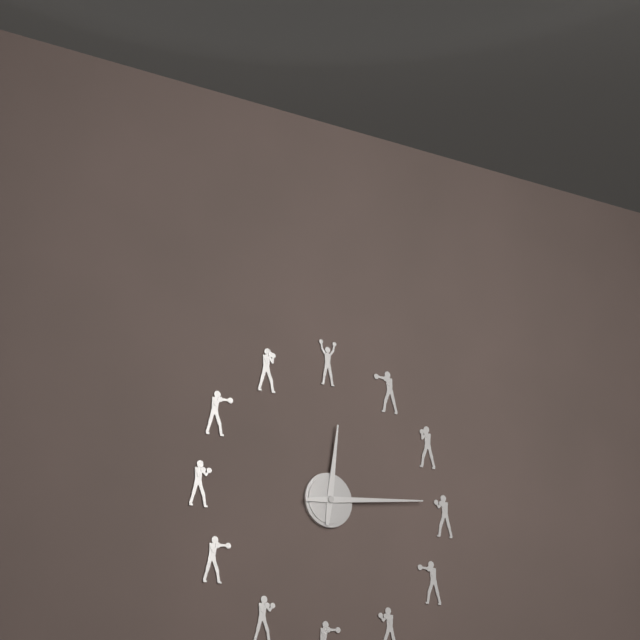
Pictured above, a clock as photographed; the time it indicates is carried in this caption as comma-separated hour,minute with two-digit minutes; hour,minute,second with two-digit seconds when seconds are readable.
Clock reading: 12,14
